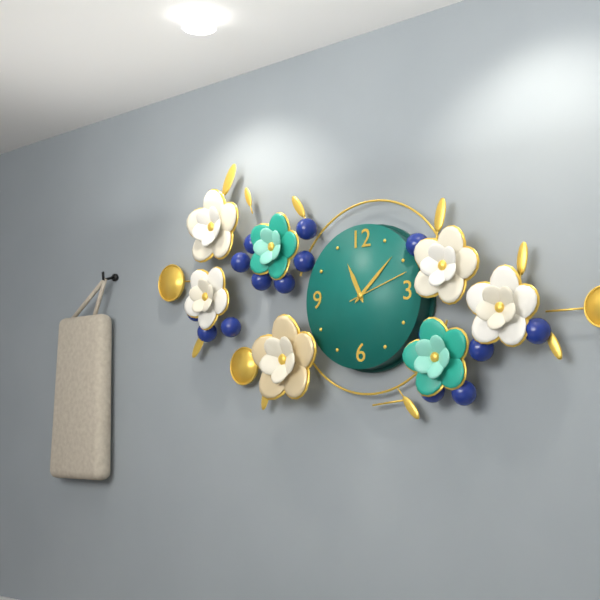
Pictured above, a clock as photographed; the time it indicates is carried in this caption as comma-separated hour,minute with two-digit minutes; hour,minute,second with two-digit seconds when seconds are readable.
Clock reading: 11,08,12
